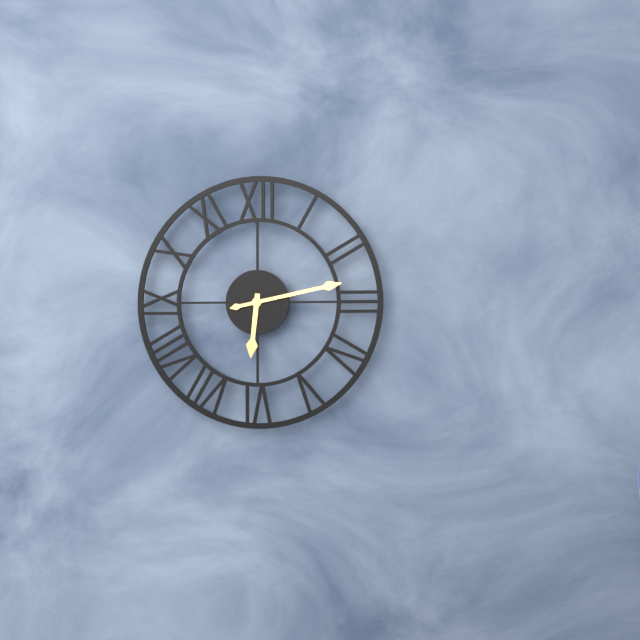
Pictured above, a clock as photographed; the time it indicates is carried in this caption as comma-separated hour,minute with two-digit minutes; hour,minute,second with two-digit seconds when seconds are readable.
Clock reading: 6,13
